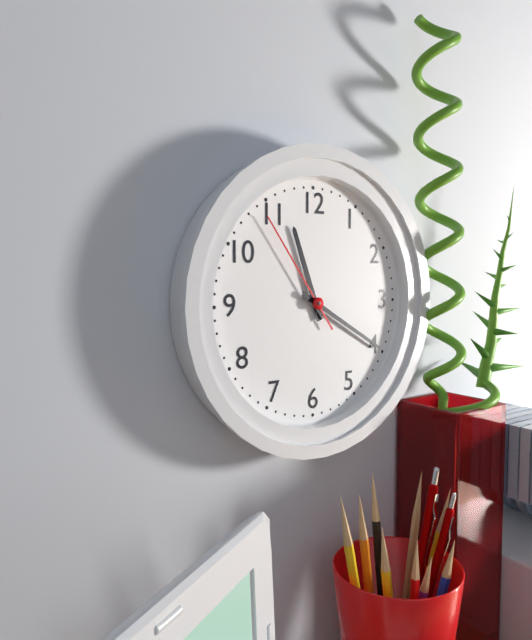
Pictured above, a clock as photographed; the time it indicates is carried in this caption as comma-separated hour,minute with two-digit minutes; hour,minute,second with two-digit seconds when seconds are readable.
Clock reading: 11,20,54
